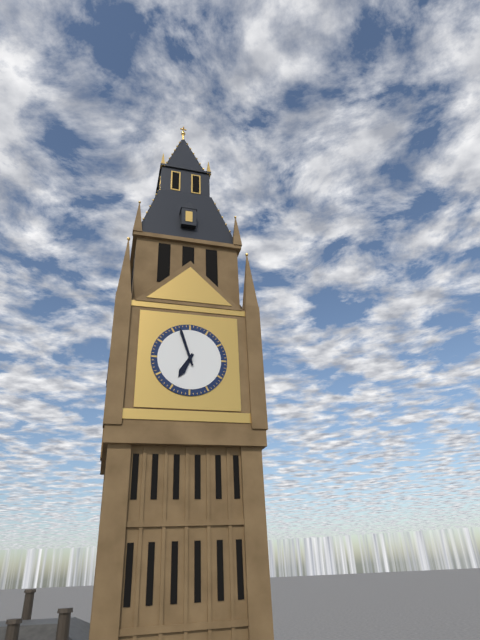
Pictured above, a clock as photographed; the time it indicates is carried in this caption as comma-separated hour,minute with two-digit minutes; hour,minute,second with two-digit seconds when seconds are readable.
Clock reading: 6,57
